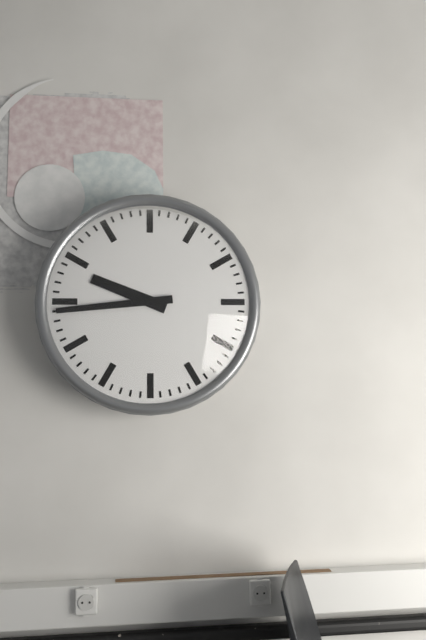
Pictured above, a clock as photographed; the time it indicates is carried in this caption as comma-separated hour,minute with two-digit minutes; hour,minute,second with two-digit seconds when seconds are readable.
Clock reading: 9,44
